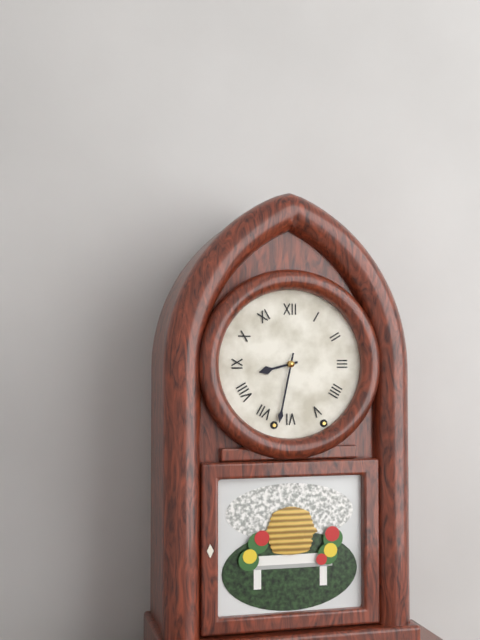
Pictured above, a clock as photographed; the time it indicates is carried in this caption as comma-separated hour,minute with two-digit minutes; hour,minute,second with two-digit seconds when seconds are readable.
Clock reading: 8,32
